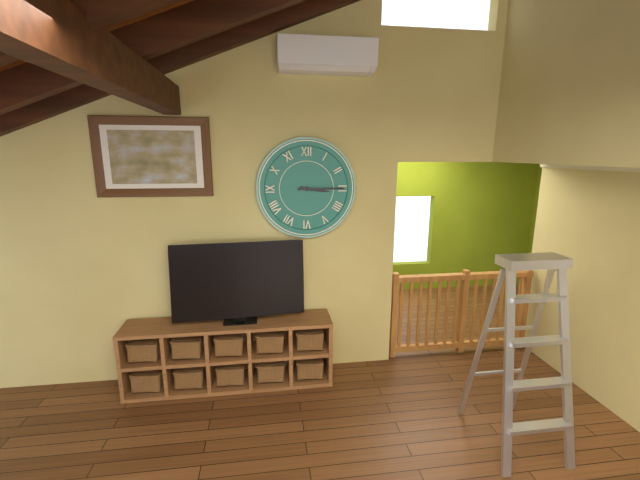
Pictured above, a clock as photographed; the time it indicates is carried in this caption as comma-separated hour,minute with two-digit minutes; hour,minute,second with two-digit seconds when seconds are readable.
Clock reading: 3,15
